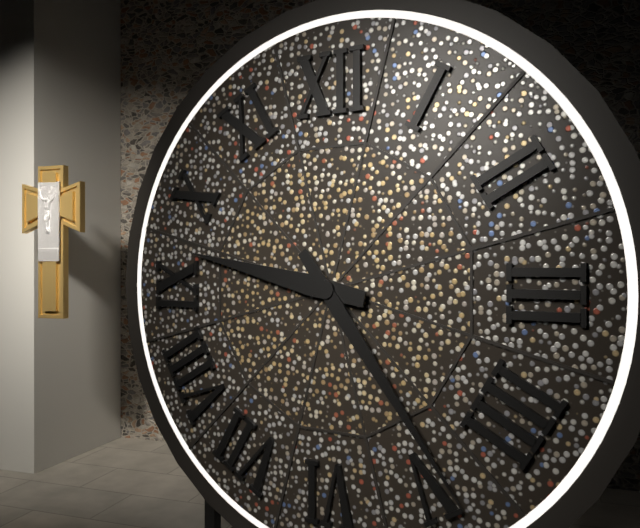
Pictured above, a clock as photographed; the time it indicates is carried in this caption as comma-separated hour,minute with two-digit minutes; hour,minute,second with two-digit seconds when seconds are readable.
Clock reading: 9,24
